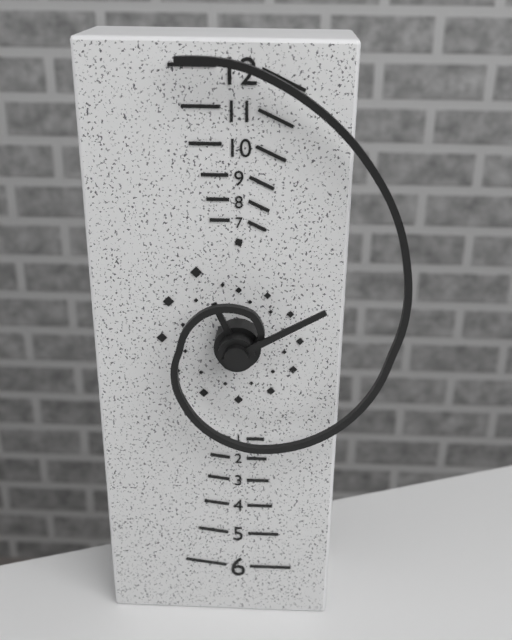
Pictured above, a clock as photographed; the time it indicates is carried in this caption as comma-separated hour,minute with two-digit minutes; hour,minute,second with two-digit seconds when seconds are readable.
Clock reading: 11,10
